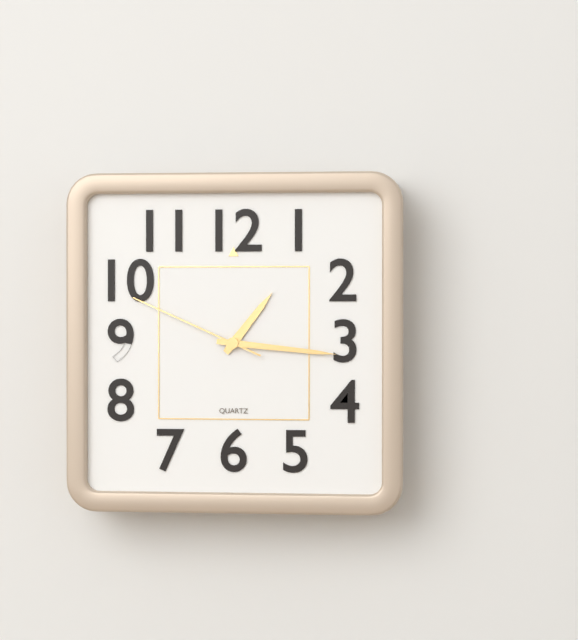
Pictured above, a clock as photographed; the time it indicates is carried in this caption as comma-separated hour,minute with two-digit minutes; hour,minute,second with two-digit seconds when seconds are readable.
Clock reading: 1,16,49
